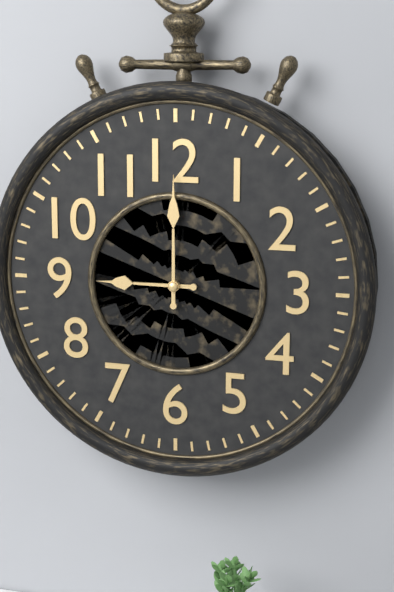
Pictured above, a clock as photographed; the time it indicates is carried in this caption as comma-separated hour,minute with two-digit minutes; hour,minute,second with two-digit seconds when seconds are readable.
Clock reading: 9,00
